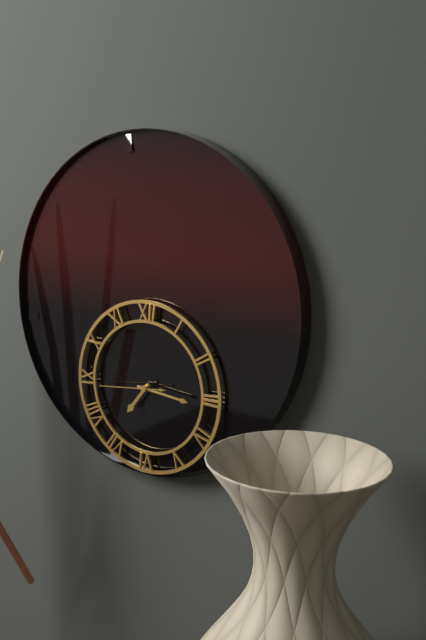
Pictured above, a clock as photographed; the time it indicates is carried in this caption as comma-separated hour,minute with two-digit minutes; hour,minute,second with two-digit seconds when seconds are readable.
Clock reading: 7,16,44
